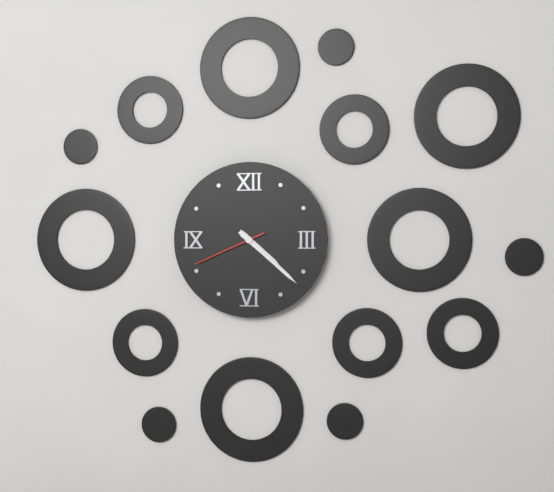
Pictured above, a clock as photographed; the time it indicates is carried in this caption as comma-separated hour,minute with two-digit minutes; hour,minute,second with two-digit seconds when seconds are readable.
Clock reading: 4,22,41
